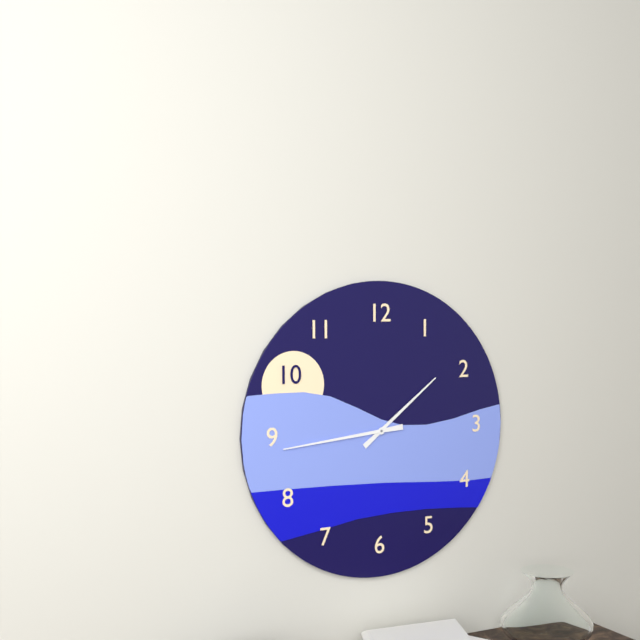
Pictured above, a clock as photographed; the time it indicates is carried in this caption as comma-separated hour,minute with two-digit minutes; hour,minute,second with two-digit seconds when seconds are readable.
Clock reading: 1,44
